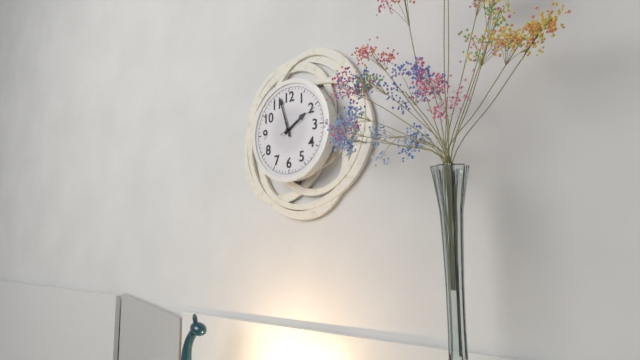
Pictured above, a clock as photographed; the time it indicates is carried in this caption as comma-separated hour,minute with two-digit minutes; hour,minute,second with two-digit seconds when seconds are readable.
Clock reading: 1,57
